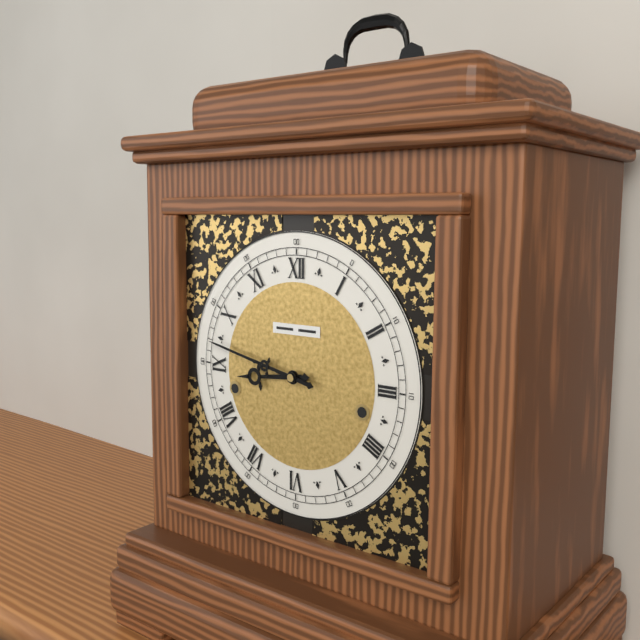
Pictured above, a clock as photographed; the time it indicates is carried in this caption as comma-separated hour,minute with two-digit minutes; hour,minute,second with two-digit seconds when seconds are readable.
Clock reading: 8,47
